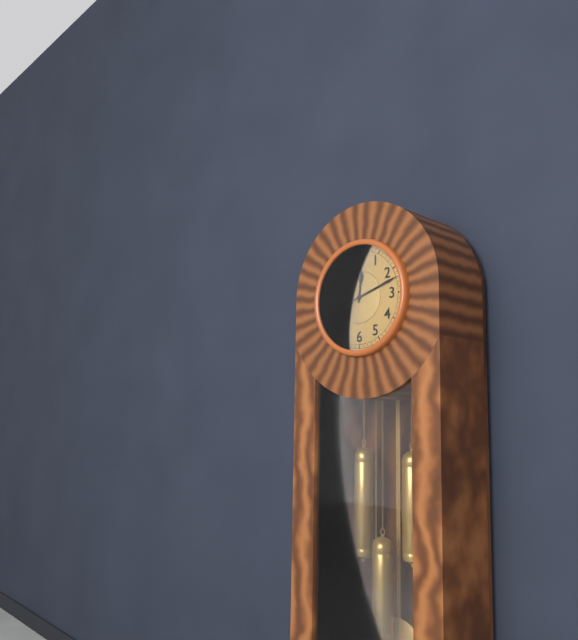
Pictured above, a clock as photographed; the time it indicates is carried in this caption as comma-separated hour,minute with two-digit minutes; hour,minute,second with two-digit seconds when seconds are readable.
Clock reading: 12,12
